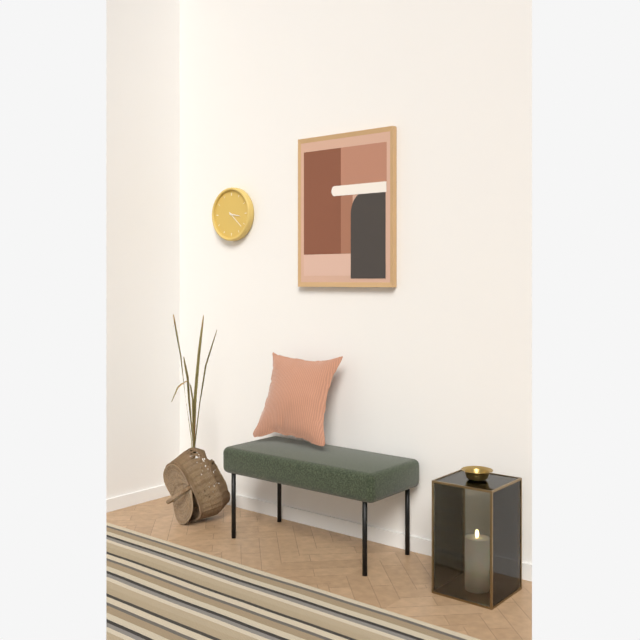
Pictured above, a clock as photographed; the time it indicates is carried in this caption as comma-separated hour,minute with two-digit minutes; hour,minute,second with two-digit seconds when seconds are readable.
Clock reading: 3,22
